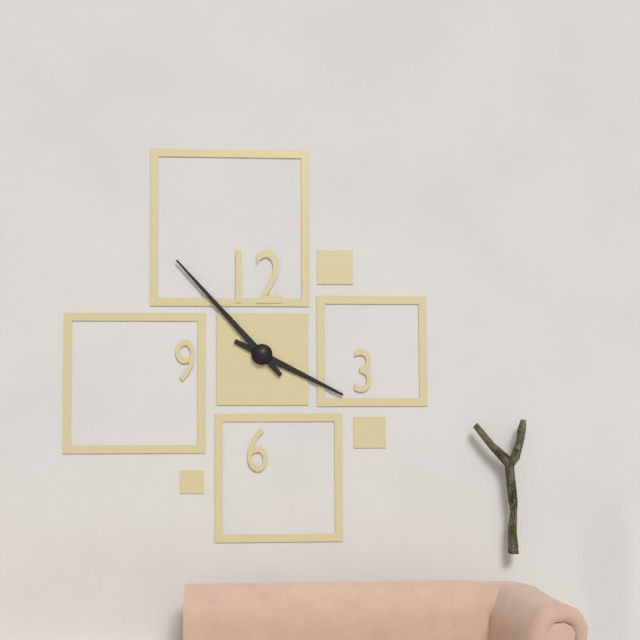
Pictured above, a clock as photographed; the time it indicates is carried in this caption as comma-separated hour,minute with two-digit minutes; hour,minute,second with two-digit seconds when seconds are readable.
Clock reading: 3,53
